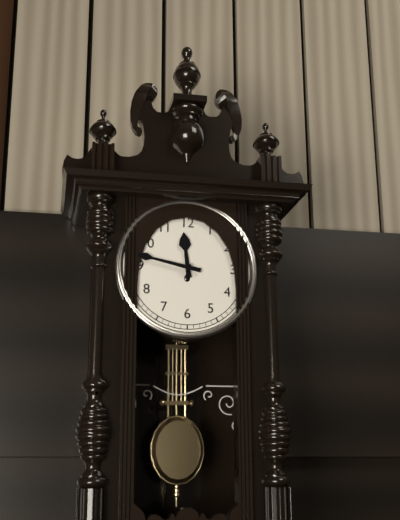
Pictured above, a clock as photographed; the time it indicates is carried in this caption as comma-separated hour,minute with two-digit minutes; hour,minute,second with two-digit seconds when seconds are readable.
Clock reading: 11,47
